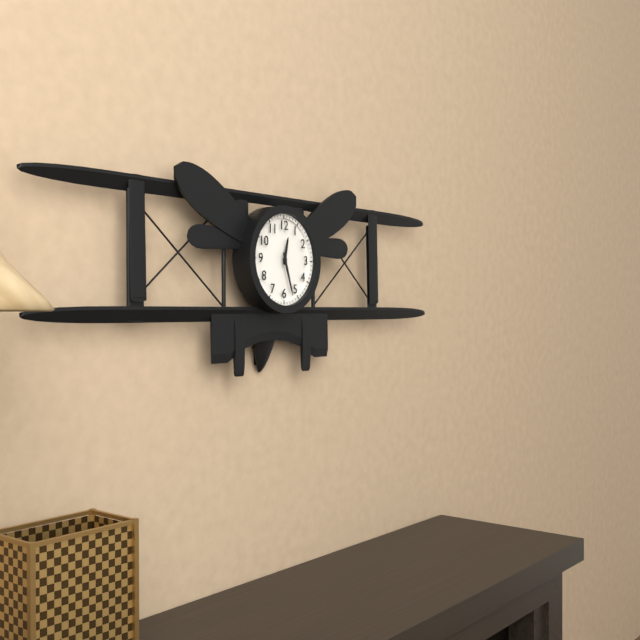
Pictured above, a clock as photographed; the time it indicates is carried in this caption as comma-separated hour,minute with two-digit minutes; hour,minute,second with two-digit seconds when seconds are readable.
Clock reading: 12,27
